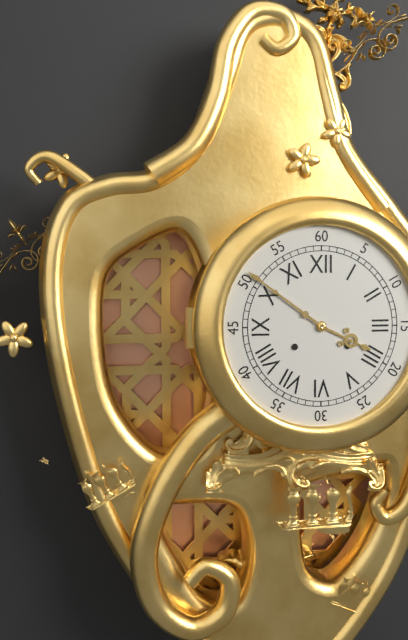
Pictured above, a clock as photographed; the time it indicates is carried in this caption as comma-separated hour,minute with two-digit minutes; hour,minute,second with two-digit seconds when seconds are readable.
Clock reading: 3,51
